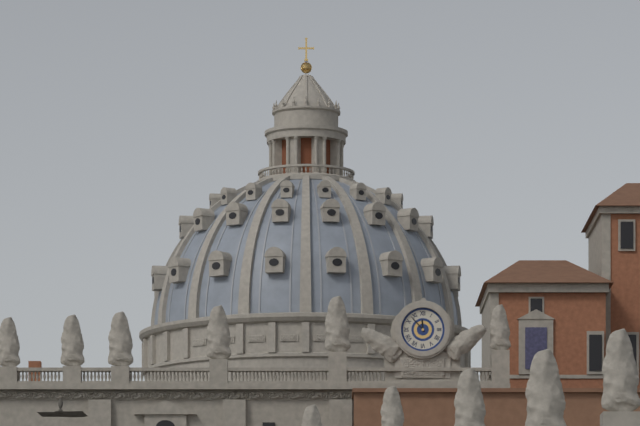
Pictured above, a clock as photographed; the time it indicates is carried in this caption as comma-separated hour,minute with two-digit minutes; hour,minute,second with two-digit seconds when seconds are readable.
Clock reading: 11,53
